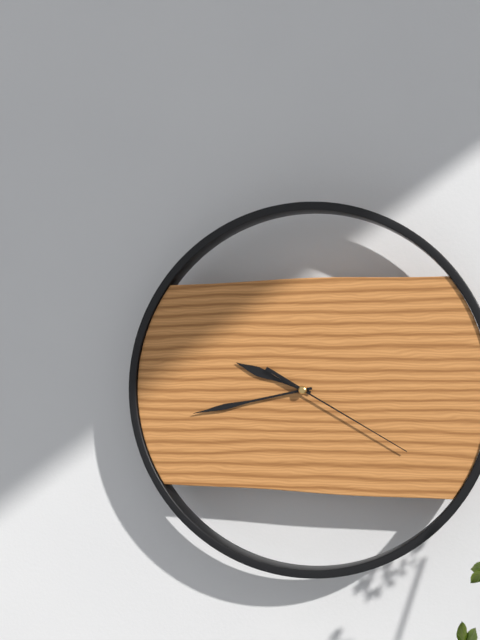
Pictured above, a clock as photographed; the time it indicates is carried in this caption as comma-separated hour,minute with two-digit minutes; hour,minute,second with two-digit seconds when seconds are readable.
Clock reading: 9,43,20
